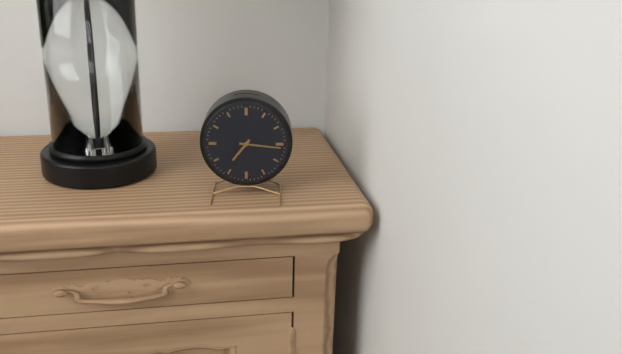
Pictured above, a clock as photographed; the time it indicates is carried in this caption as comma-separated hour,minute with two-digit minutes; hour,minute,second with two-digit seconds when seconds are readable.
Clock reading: 7,16
